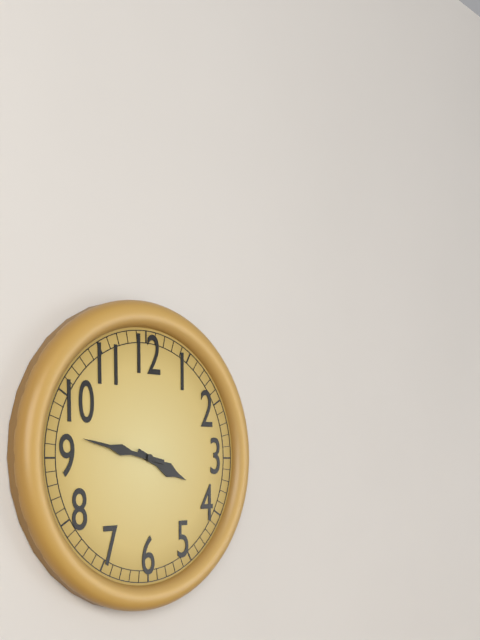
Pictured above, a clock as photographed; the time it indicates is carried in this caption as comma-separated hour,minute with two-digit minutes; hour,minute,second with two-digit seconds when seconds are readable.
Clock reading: 3,47
